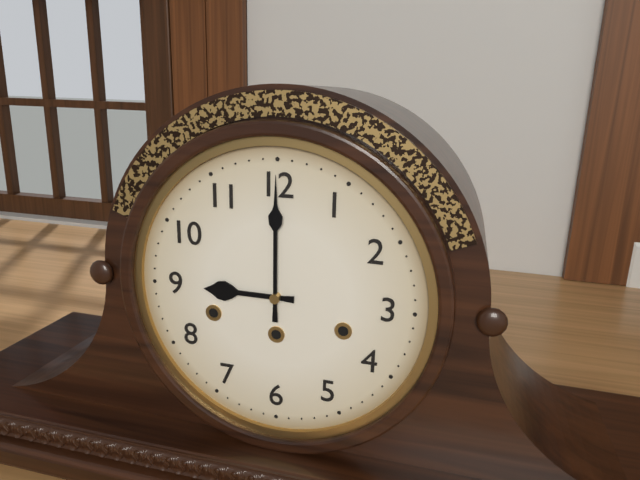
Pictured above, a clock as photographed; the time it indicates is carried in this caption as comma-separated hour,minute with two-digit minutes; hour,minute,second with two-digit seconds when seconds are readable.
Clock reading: 9,00
